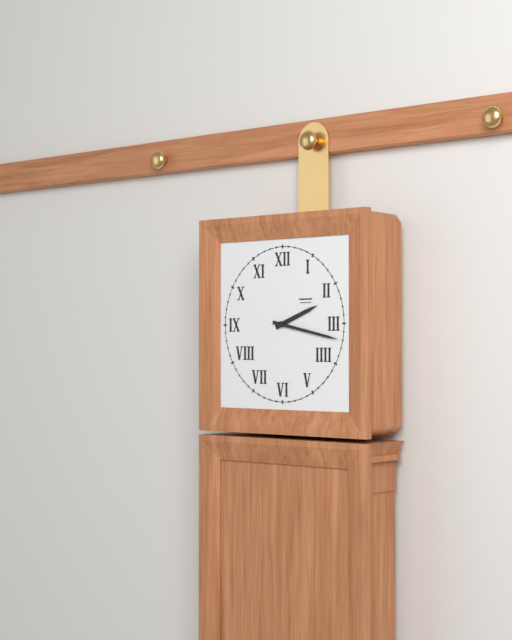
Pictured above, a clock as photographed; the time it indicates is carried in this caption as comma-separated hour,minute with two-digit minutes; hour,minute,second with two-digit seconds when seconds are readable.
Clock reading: 2,17
